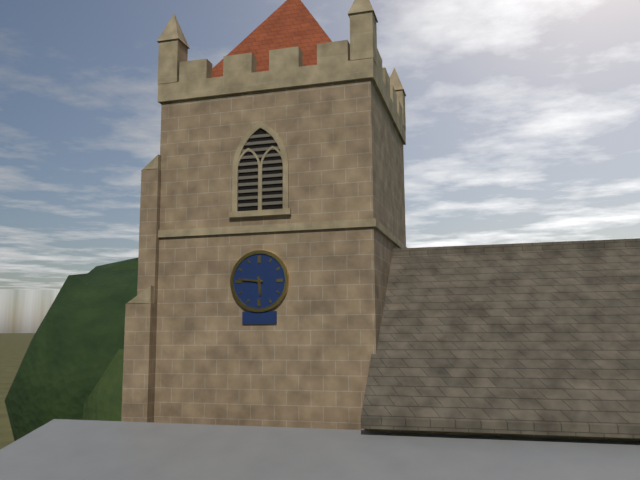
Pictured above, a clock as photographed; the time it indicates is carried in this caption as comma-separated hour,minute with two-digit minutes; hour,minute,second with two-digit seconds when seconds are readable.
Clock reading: 5,46
